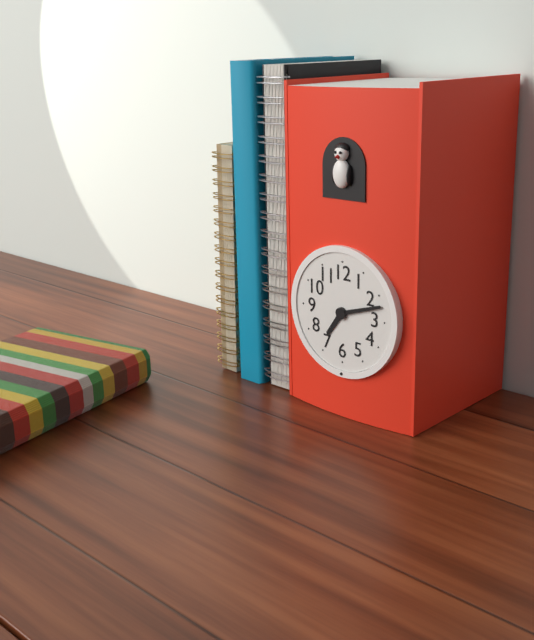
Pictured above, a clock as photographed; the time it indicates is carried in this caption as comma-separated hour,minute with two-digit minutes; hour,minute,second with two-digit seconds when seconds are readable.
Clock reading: 7,12
